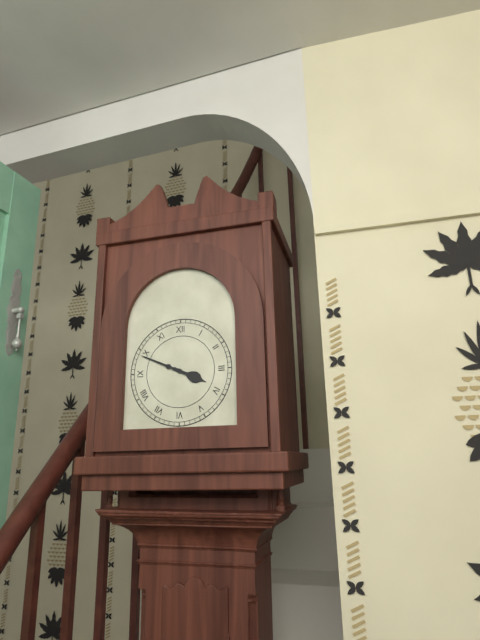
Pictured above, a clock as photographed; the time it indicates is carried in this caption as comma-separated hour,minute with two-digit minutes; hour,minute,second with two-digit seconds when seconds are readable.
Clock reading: 3,49
